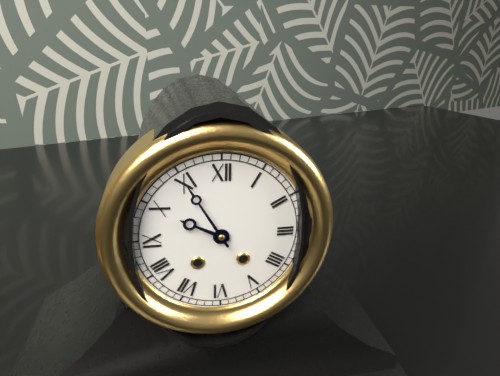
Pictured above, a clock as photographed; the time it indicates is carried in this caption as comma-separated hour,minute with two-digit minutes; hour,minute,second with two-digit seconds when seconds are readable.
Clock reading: 9,55
